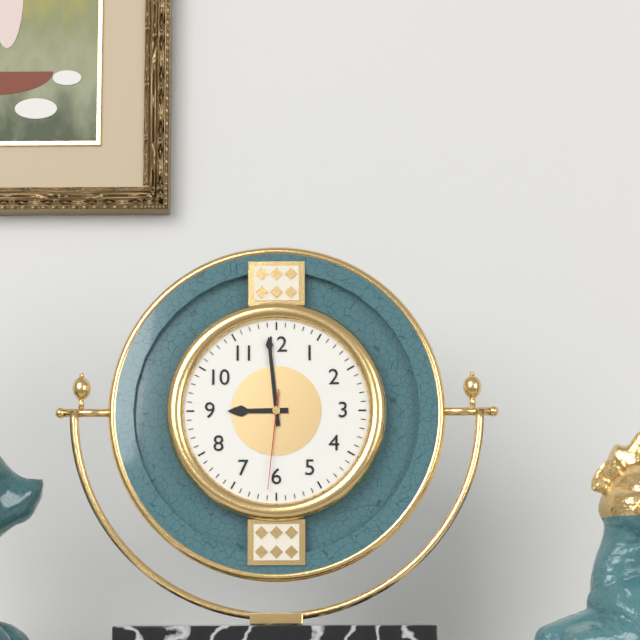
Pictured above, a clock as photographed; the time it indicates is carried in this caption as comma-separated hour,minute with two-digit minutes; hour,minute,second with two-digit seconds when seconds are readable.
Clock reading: 8,59,31
